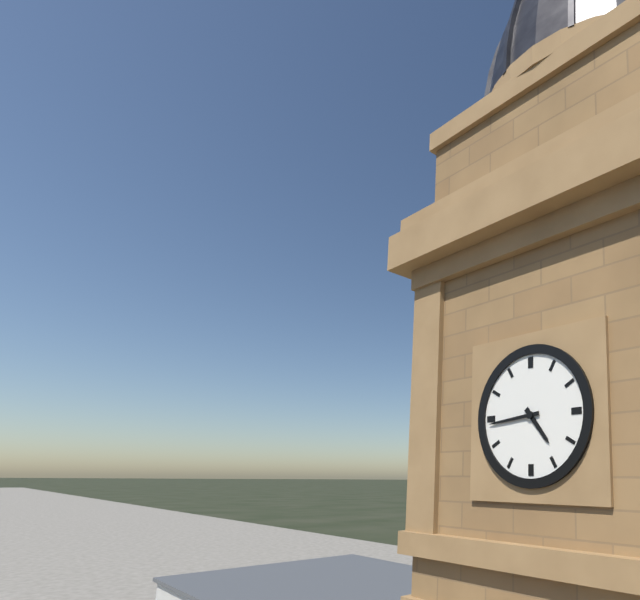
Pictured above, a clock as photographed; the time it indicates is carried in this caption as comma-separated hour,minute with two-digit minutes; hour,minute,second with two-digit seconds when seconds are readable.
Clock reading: 4,44
